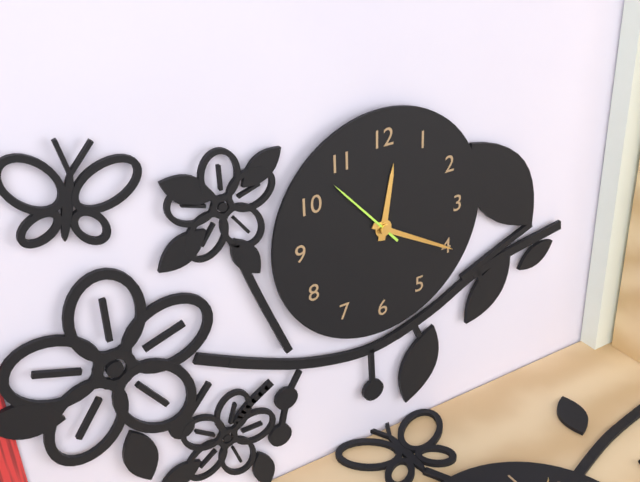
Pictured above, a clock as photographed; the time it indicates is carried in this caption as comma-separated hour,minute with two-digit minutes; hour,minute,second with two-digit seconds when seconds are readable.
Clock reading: 12,20,53
